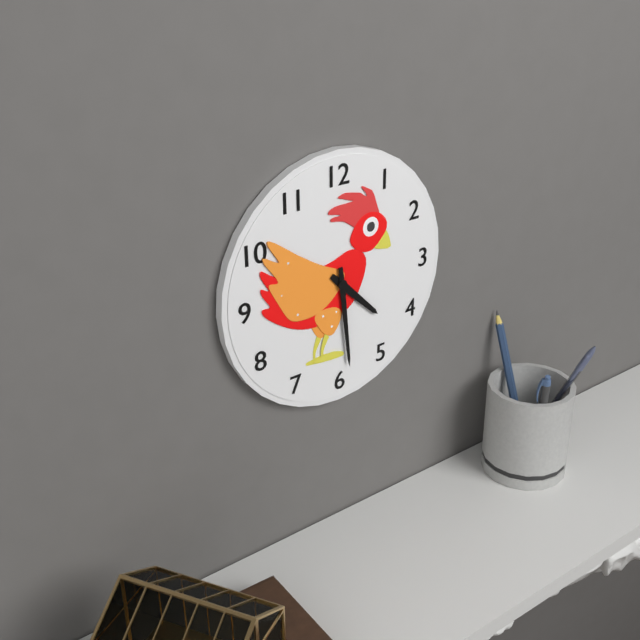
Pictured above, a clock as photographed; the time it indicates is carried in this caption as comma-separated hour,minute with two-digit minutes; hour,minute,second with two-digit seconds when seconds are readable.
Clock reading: 4,29
